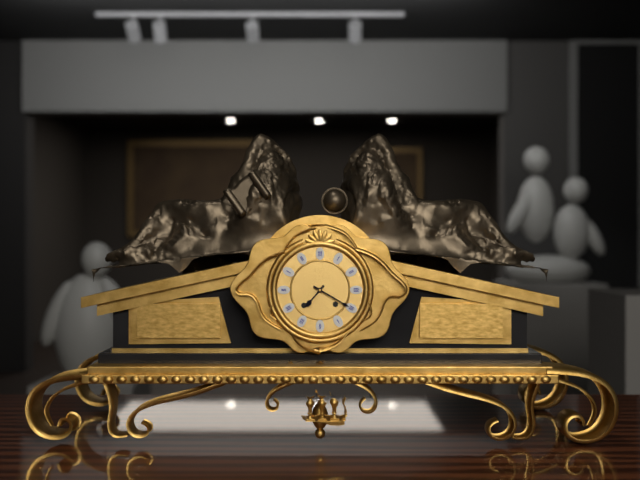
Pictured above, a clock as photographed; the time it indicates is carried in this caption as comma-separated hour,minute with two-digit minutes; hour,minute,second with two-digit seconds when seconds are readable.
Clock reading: 7,20
